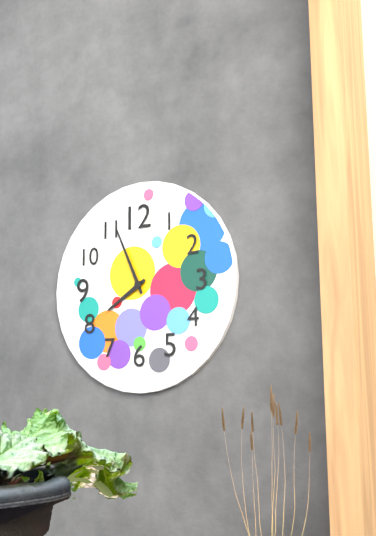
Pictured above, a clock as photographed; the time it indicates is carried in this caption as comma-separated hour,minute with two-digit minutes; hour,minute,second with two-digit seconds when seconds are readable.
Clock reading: 7,56
